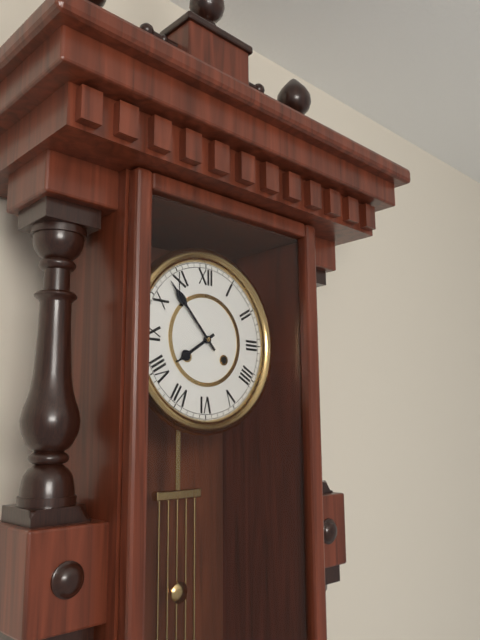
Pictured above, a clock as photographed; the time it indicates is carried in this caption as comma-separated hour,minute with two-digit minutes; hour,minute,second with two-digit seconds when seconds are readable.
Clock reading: 7,53
